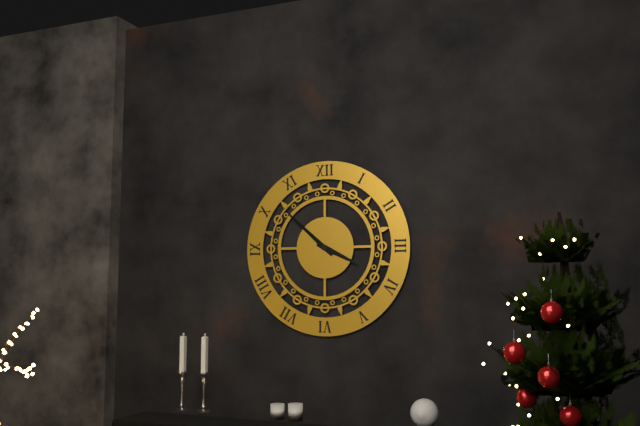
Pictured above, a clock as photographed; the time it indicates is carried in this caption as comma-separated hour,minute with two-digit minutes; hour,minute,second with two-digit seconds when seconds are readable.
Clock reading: 3,52
